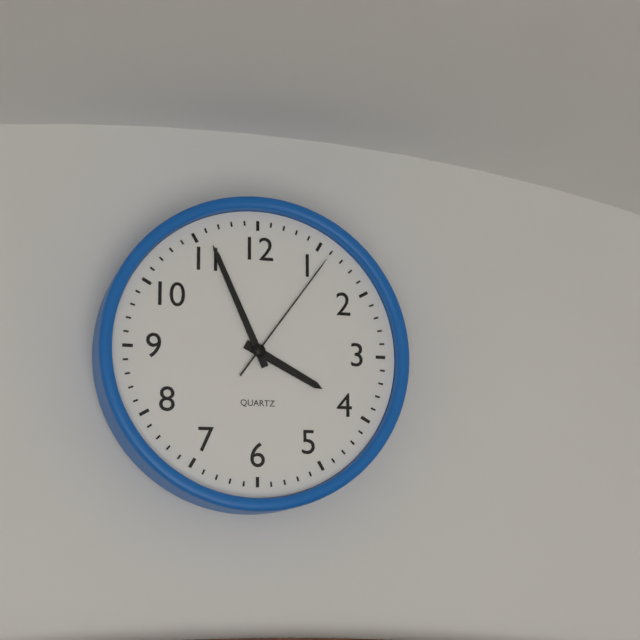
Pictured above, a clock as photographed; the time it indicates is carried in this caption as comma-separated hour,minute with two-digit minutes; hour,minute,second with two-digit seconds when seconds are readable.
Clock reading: 3,56,06
